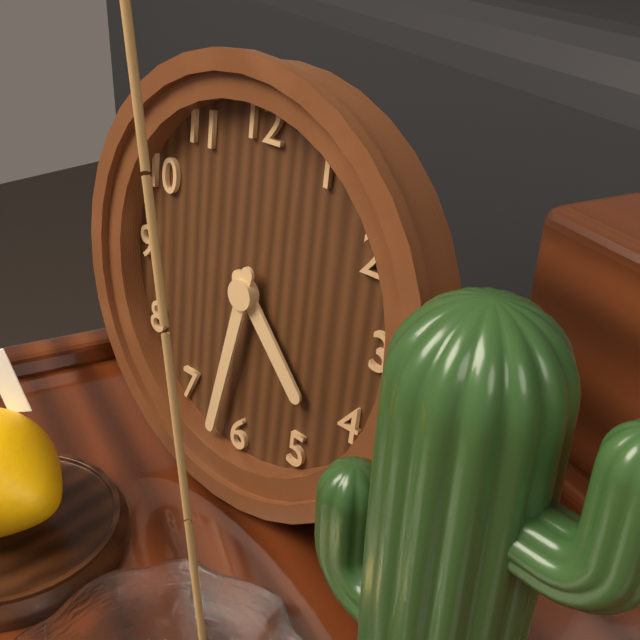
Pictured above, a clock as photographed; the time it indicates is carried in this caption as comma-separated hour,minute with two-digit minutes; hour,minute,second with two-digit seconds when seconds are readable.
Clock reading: 4,32
